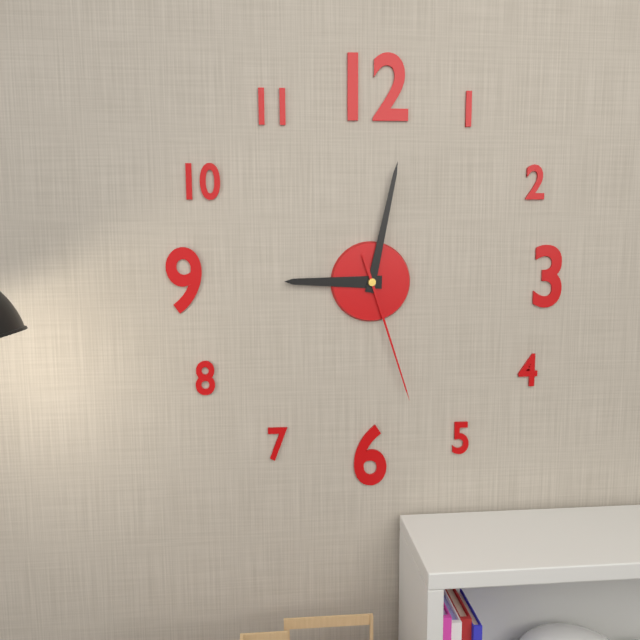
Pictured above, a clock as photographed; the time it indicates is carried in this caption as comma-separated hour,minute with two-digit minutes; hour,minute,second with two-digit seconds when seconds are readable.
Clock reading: 9,02,27
